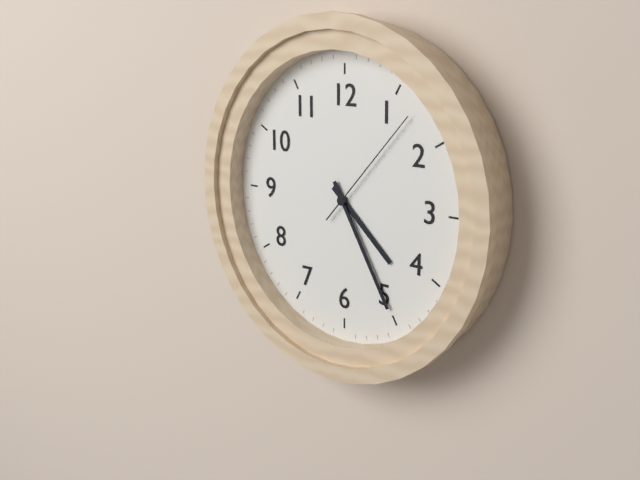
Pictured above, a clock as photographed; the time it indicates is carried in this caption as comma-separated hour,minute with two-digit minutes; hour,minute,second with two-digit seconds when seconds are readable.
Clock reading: 4,25,07
